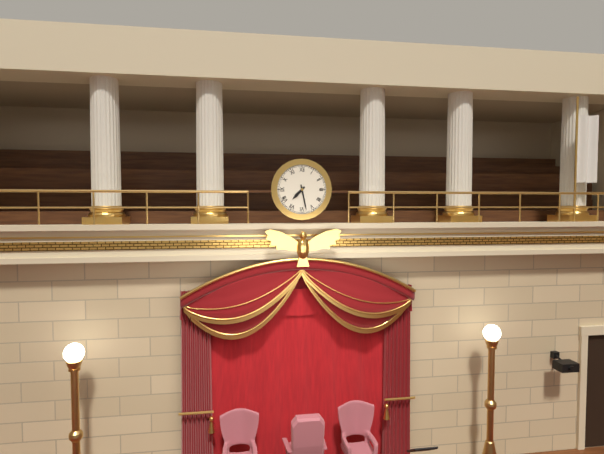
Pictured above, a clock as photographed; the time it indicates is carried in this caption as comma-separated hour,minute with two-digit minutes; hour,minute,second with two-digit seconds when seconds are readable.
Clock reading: 7,28
